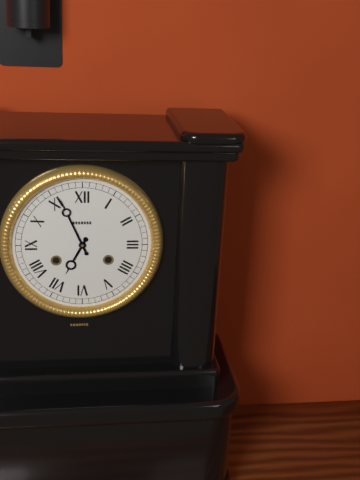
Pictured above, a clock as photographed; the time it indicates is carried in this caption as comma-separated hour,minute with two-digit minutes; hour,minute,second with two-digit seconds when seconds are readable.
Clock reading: 6,56
